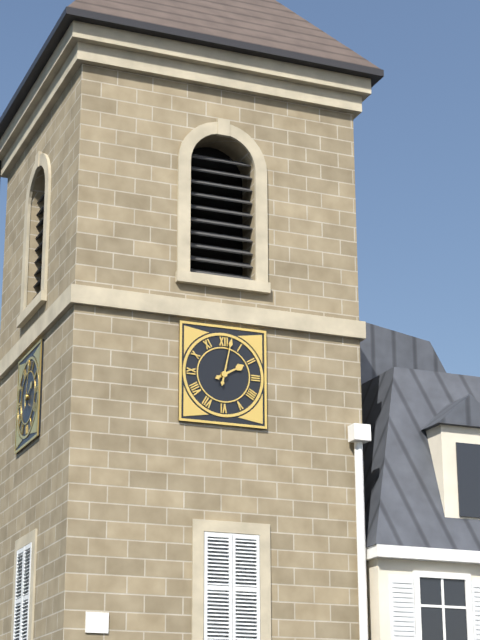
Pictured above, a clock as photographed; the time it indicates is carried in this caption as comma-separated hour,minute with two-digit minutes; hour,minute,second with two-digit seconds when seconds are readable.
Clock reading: 2,02
